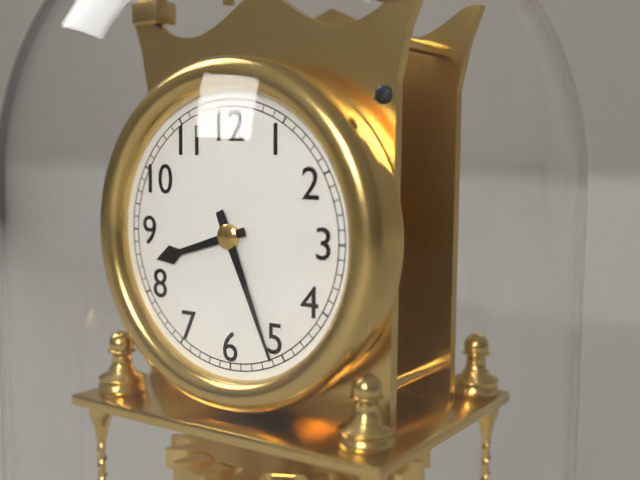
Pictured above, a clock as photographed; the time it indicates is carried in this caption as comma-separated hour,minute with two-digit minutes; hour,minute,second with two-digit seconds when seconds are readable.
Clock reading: 8,26
